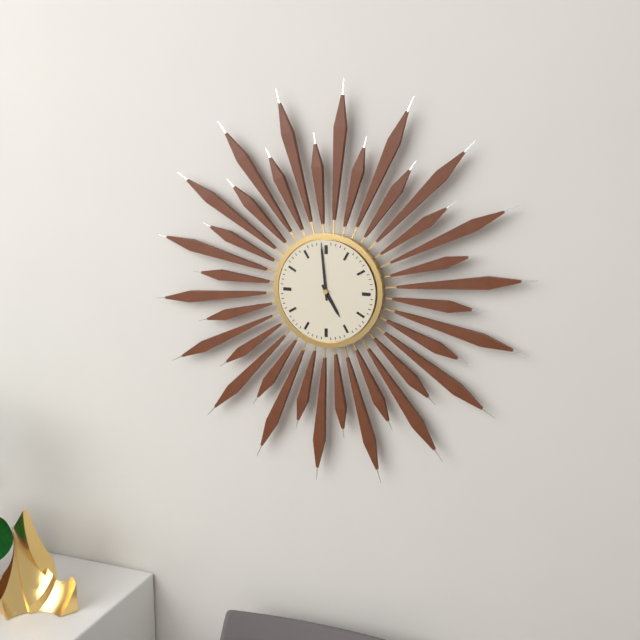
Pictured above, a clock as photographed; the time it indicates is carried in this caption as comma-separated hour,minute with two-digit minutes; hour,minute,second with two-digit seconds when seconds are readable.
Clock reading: 4,59
